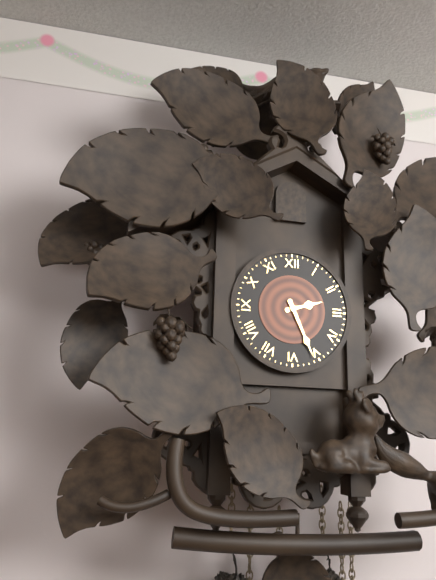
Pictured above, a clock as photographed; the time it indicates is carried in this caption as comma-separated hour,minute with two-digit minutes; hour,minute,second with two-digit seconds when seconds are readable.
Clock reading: 2,26
